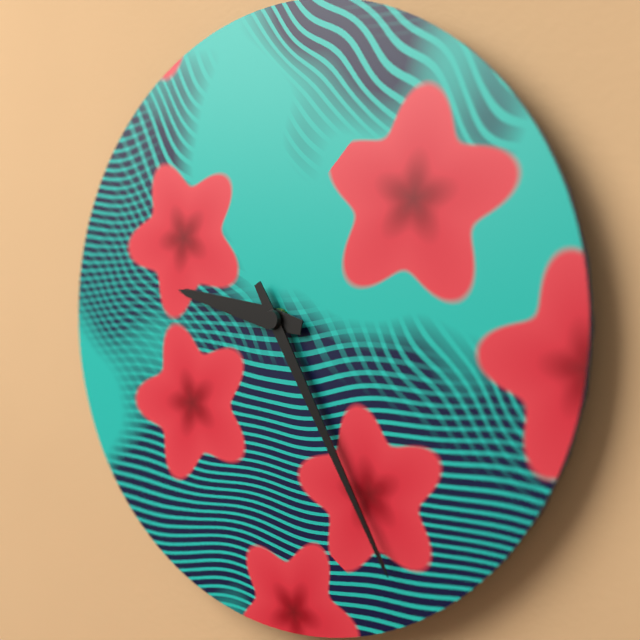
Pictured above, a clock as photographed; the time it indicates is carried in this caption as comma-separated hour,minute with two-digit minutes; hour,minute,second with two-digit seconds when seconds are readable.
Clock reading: 9,25
